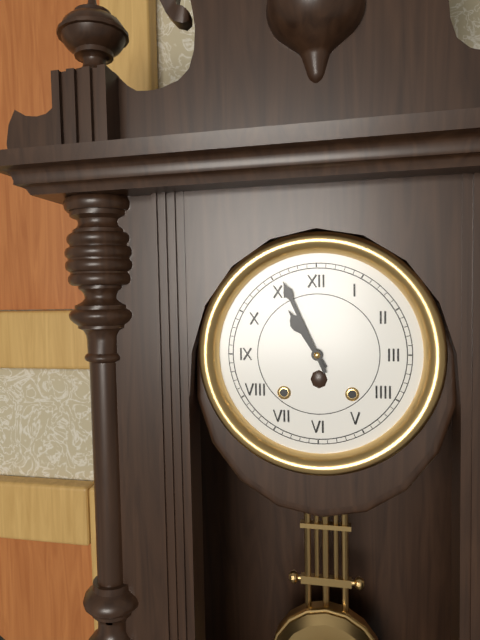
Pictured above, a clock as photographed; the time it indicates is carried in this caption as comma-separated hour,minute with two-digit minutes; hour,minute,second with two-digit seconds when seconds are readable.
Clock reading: 10,56
